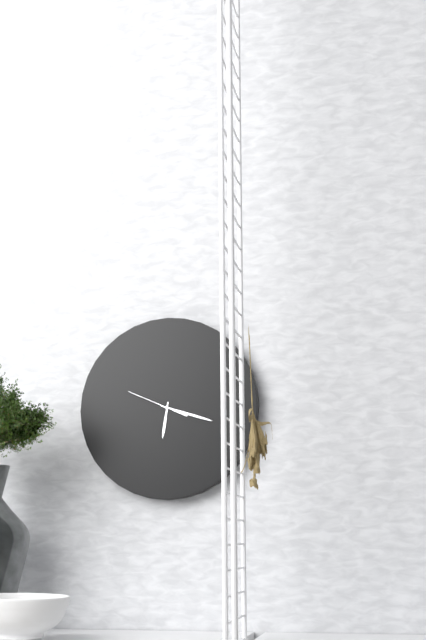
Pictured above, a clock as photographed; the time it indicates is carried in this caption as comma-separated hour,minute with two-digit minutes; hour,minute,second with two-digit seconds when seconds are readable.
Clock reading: 6,18,49
